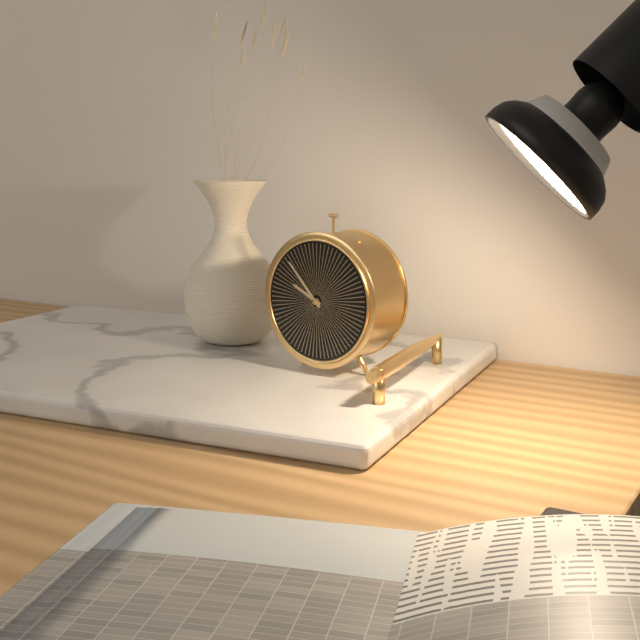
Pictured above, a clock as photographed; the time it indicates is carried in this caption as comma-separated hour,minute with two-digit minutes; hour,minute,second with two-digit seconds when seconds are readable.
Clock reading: 9,53
